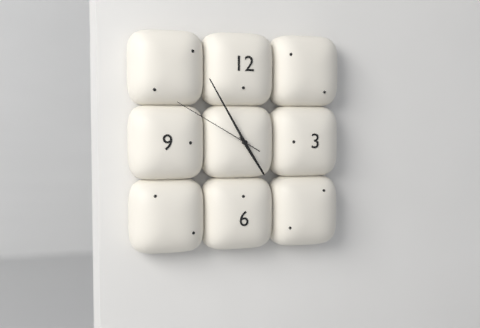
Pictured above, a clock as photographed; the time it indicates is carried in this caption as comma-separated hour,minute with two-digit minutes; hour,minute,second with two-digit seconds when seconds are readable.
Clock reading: 4,55,50
